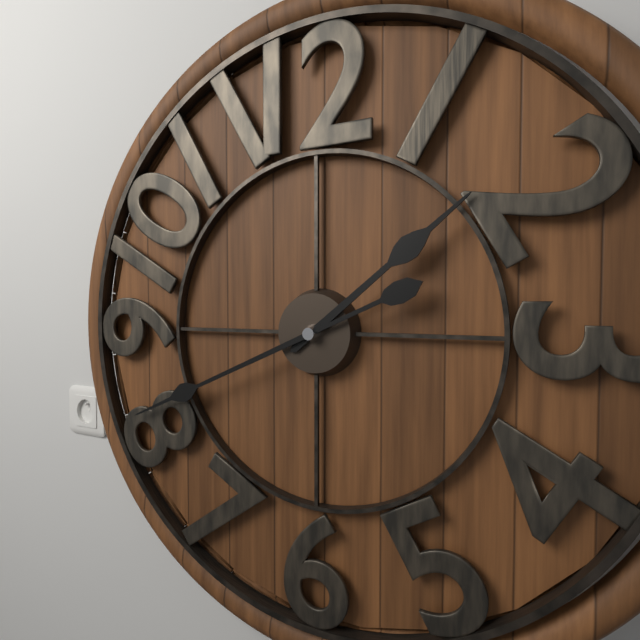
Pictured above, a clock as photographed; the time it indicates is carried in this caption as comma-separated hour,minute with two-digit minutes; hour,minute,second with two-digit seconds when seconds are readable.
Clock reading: 1,41
